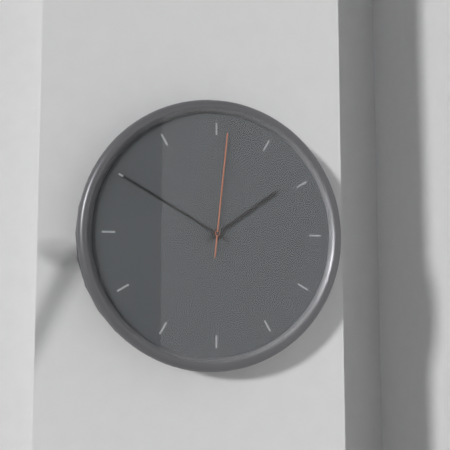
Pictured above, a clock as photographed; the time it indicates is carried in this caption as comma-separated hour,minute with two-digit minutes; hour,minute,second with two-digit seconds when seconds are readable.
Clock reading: 1,50,01
